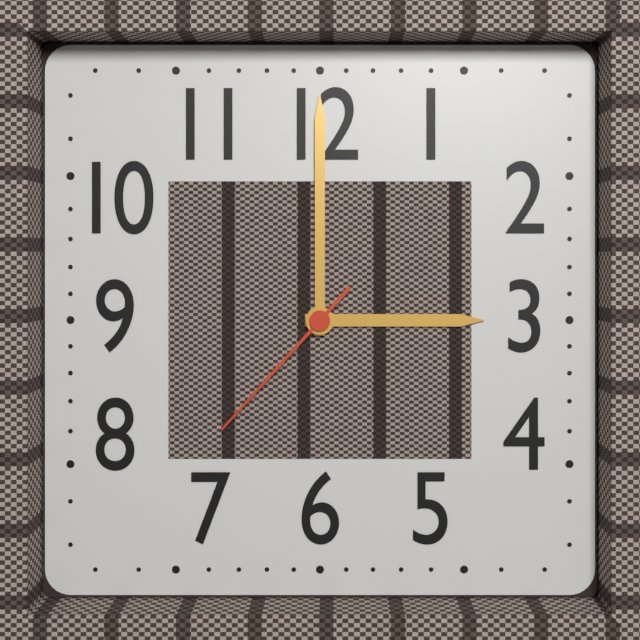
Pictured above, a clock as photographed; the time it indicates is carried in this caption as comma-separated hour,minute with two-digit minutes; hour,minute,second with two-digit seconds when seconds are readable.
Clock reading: 3,00,37
